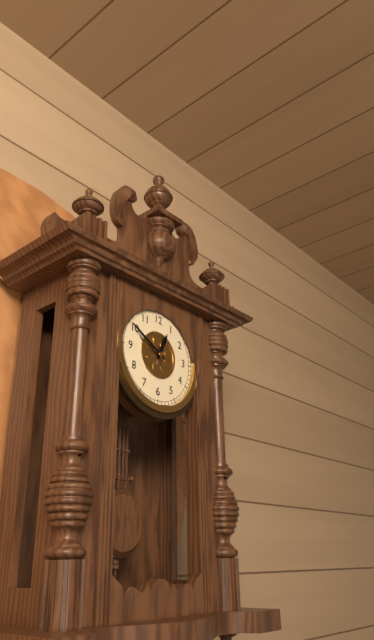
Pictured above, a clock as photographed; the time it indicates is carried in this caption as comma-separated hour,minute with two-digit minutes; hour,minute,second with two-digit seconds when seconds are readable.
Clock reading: 12,50
